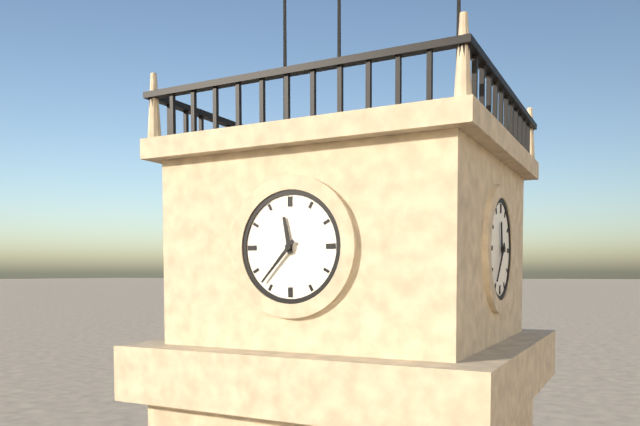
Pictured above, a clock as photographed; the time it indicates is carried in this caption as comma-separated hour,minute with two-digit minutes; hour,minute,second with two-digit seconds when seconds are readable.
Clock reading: 11,37
